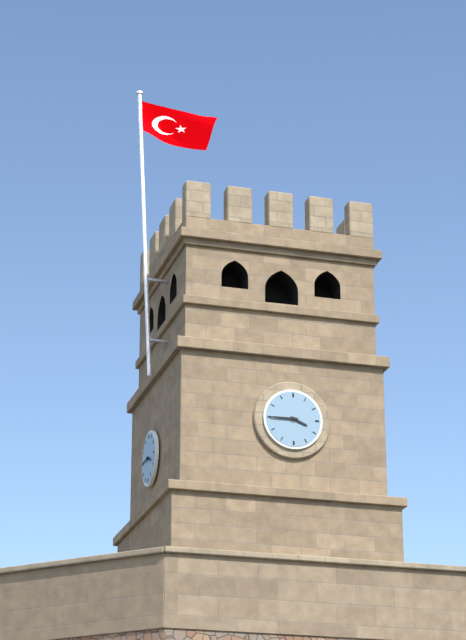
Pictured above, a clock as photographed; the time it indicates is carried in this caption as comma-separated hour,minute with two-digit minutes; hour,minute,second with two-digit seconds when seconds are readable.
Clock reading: 3,45
